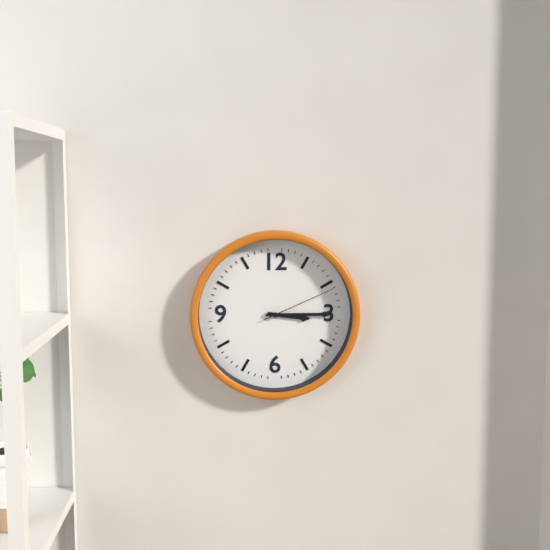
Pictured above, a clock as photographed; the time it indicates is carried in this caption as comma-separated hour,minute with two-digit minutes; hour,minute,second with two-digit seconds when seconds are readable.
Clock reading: 3,15,11
